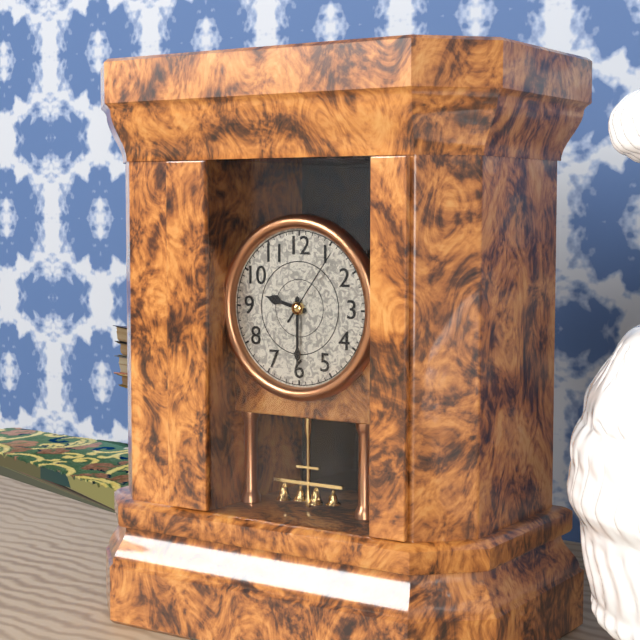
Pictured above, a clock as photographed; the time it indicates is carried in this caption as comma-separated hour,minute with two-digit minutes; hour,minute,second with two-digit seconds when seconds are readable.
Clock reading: 9,30,06
